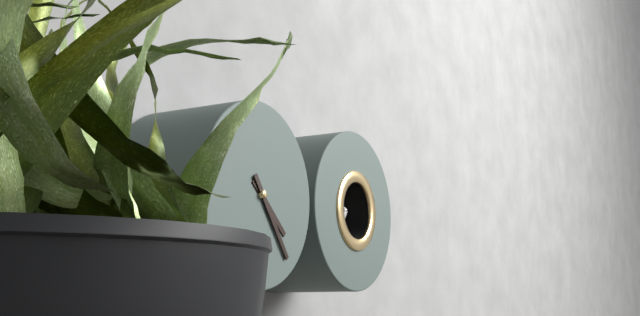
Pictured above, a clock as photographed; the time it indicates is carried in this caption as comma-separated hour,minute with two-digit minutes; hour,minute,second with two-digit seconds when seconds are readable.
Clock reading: 4,24
